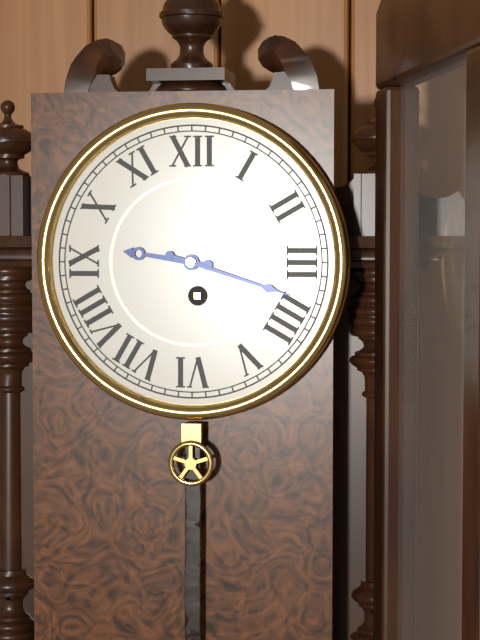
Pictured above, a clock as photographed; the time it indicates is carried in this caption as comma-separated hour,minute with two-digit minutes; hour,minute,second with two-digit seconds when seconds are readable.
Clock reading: 9,18
